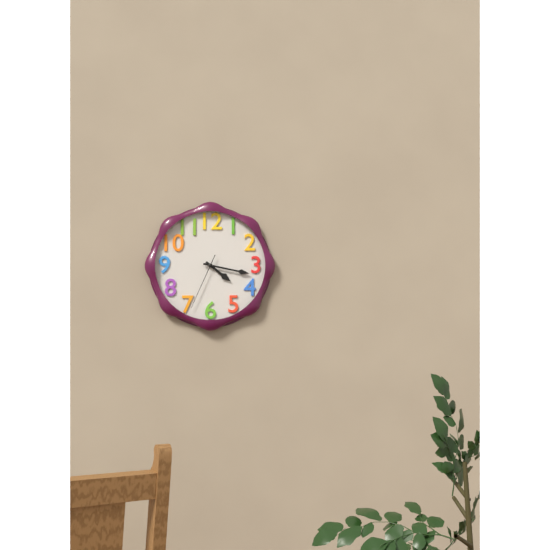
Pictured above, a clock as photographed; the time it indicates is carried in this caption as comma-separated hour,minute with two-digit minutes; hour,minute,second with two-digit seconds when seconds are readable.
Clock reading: 4,17,34
